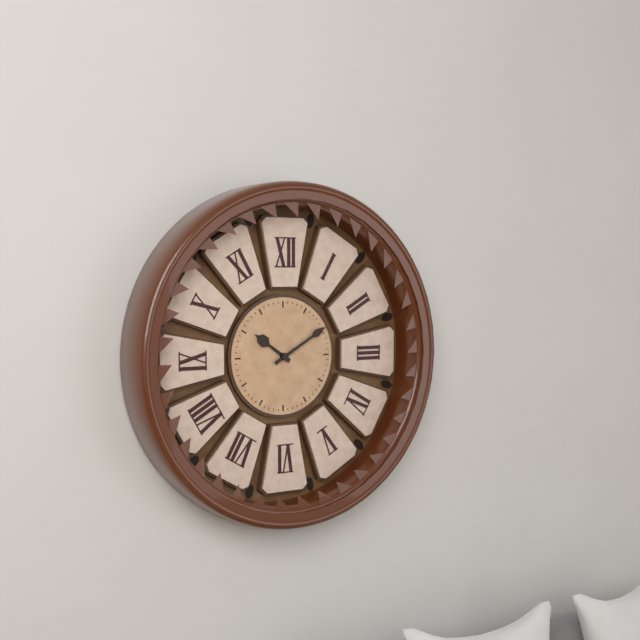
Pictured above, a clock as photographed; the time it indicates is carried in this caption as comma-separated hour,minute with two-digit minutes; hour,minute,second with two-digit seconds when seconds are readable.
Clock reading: 10,10
